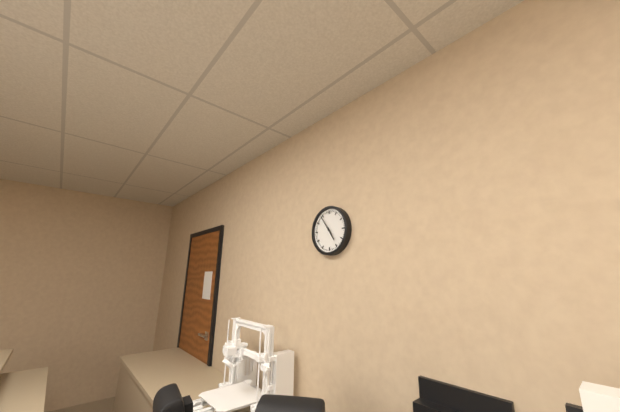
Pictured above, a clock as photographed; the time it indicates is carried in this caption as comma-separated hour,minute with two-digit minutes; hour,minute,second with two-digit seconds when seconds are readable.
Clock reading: 4,54
